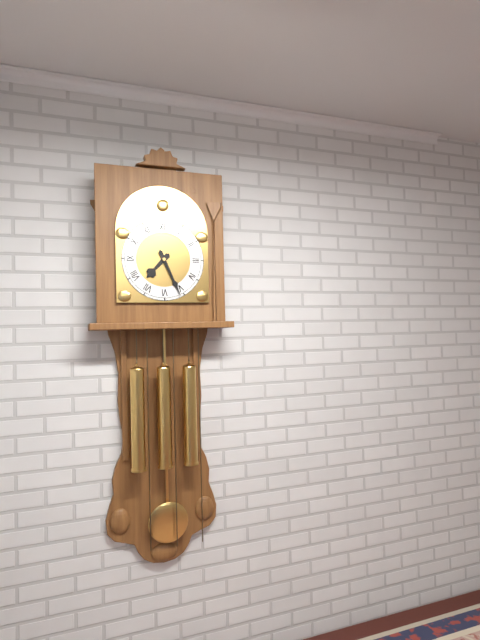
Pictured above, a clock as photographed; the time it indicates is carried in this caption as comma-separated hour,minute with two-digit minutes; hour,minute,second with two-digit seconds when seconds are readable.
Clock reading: 7,26
